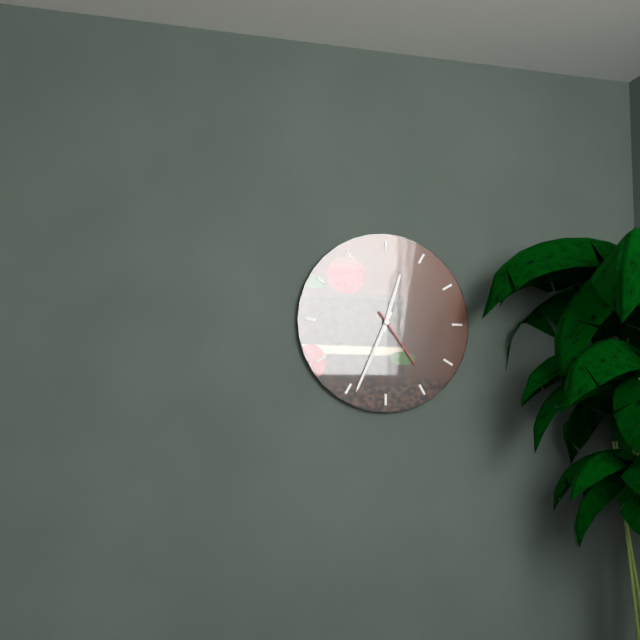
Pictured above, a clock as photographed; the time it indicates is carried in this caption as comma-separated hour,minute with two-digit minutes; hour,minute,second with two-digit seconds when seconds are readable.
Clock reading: 12,34,24
